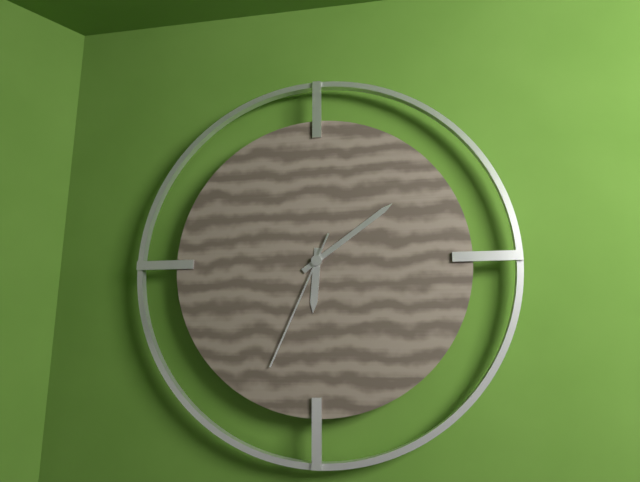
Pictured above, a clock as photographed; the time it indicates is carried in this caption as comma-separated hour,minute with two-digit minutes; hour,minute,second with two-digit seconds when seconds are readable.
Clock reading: 6,09,34
